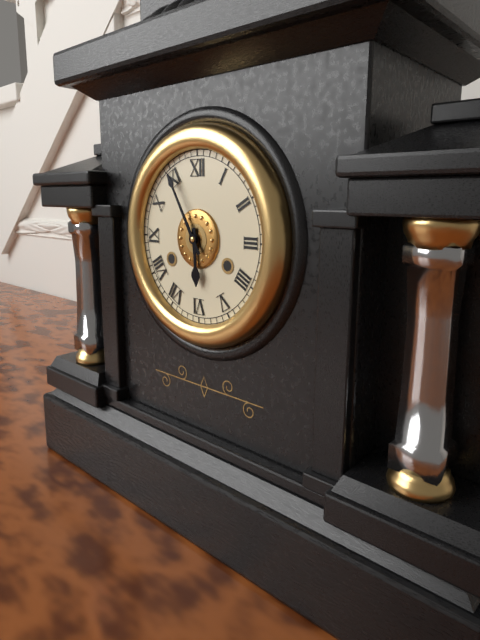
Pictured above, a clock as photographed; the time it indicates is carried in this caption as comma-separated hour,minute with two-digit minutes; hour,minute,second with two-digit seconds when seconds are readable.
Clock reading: 5,55
